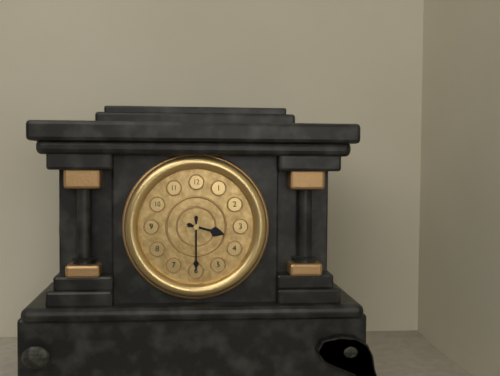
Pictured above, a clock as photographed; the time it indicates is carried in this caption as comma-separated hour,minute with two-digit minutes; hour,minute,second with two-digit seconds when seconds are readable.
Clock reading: 3,30
